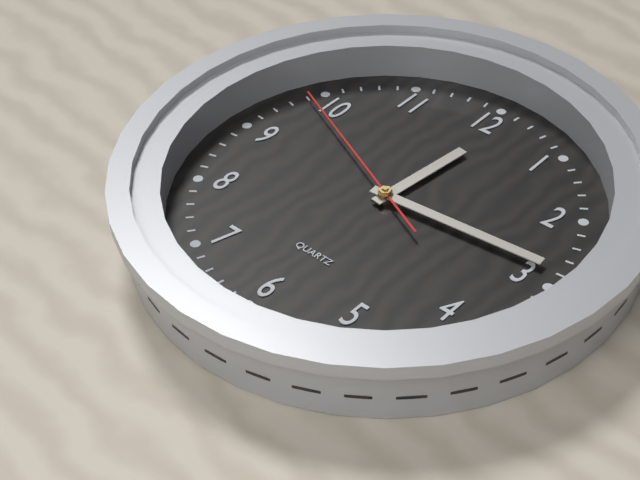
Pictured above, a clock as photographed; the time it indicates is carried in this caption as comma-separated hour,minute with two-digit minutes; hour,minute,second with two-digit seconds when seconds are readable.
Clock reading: 12,14,49
